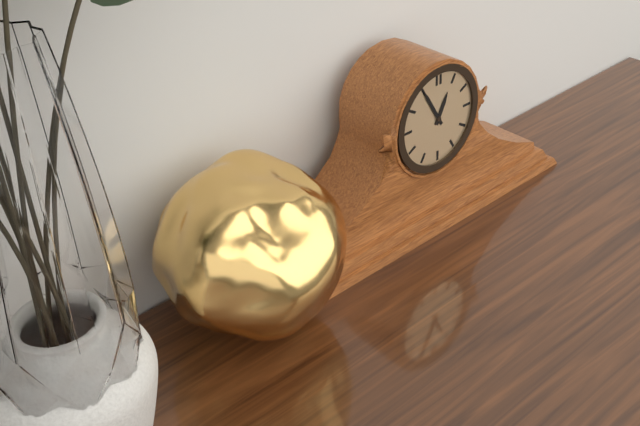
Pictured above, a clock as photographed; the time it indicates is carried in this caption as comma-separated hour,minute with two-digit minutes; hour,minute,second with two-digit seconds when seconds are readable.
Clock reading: 12,55
